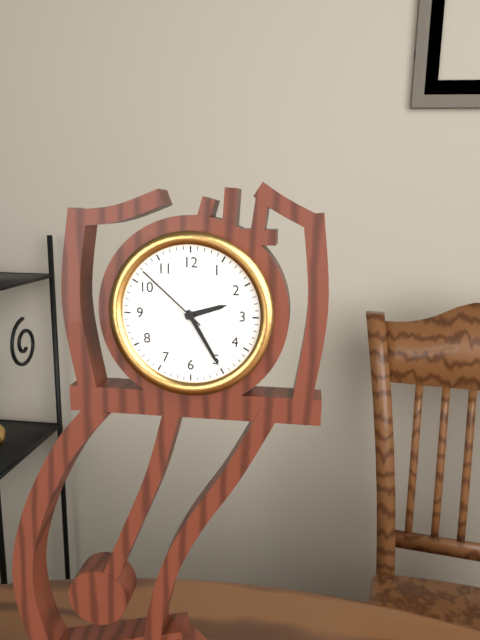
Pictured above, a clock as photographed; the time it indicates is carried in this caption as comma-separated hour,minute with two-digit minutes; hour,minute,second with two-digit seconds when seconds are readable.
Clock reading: 2,25,52
